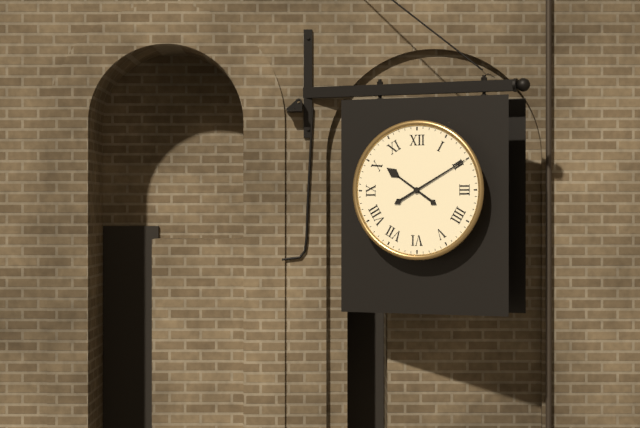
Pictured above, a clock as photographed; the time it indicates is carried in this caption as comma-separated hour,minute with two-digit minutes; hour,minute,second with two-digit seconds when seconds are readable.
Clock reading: 10,10
